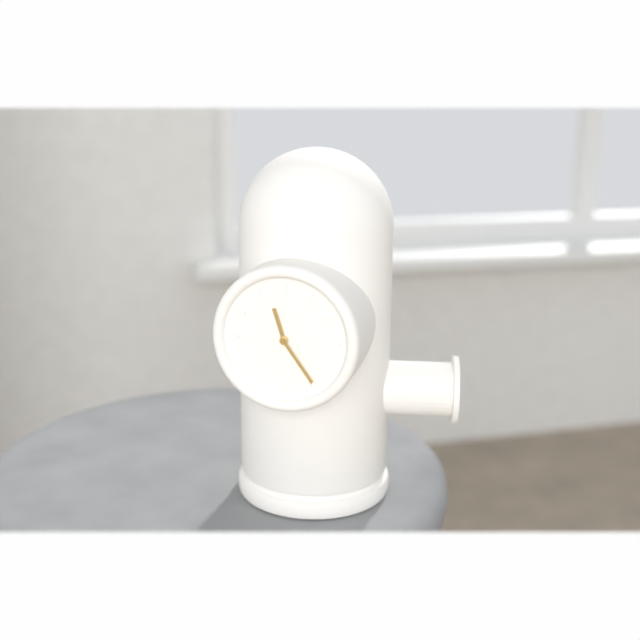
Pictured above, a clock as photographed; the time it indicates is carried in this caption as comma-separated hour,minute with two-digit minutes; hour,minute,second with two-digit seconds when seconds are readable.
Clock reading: 11,24
